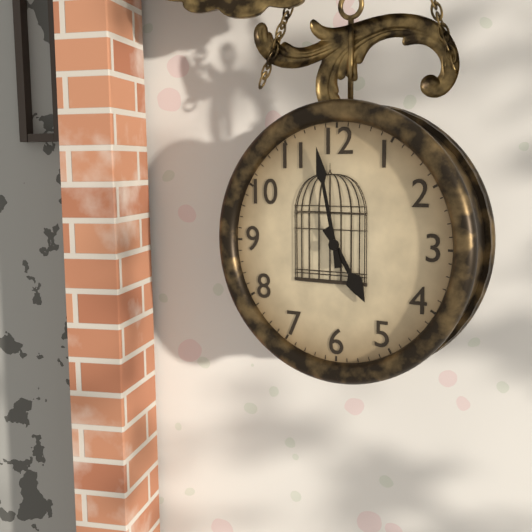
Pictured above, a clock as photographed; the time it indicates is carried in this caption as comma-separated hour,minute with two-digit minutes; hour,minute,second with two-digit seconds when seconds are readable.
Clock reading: 4,58
